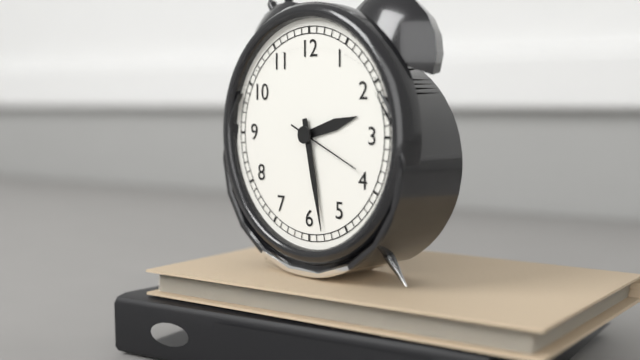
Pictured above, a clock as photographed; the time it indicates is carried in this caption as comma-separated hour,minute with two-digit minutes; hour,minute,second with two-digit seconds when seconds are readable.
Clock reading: 2,28,19
